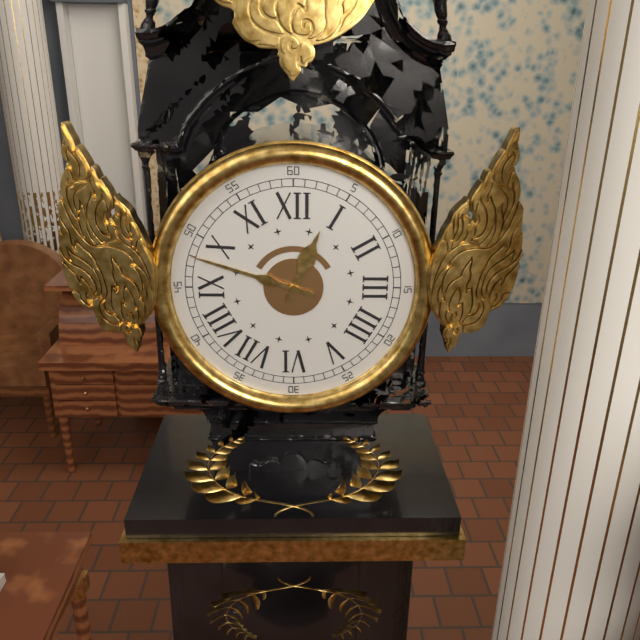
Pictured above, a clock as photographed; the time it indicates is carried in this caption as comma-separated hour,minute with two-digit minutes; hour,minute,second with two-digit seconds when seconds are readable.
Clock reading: 12,48
